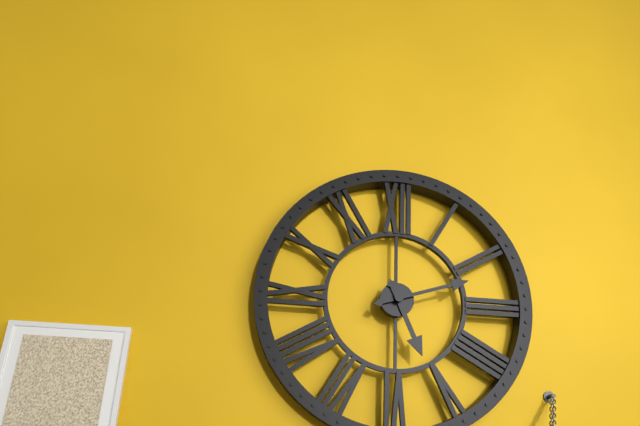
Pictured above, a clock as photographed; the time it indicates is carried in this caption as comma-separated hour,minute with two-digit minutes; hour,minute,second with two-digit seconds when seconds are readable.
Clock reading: 5,12
